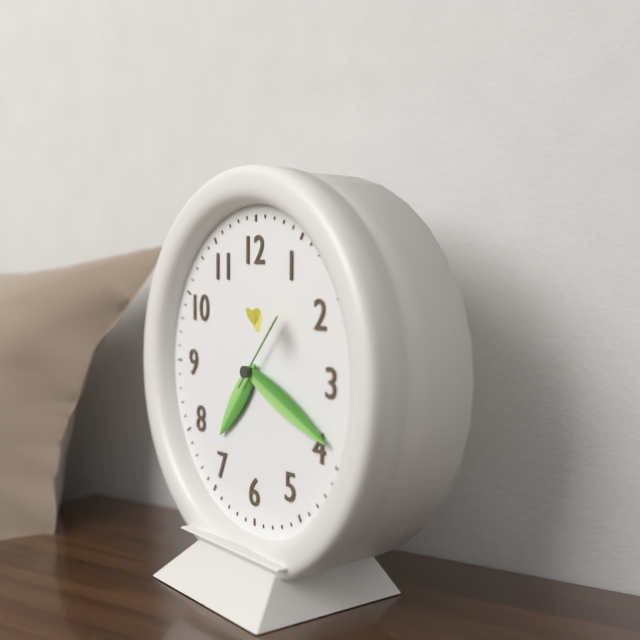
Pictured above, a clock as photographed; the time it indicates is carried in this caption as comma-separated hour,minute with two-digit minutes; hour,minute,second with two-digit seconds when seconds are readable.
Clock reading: 7,19,07
